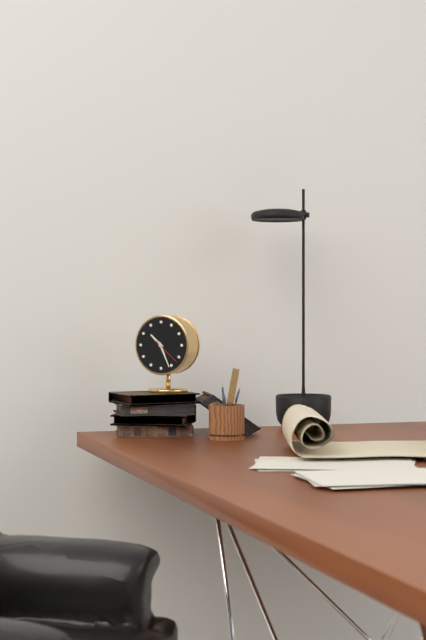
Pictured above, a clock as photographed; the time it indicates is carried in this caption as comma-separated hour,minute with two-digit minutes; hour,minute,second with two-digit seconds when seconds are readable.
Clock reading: 10,26
